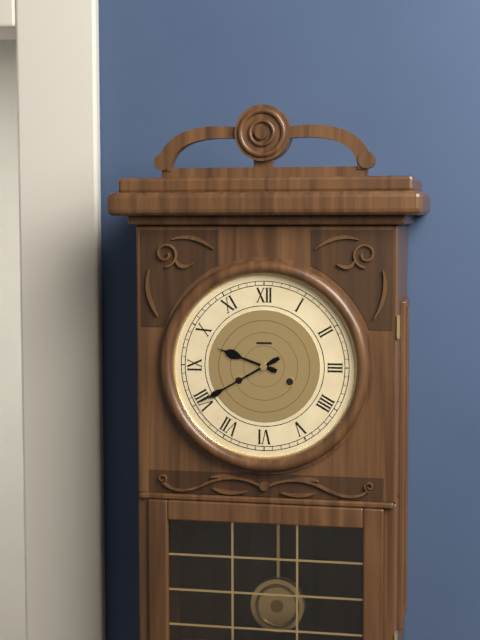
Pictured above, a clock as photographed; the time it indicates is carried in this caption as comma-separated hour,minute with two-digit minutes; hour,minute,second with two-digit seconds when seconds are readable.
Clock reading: 9,40
